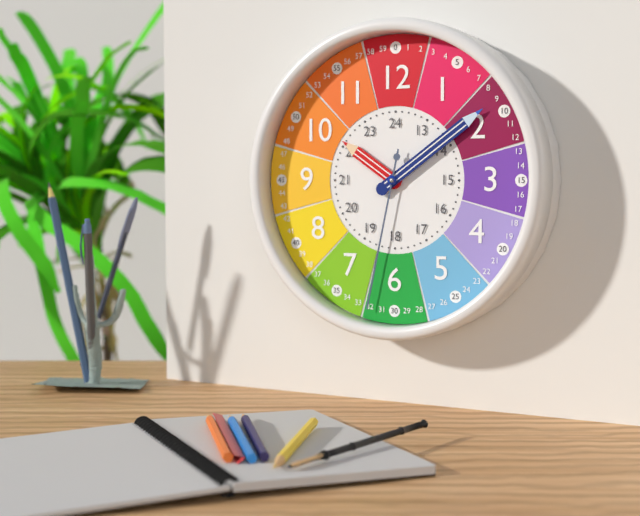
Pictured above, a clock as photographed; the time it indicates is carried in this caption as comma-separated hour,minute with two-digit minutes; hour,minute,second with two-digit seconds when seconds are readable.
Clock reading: 10,09,32
